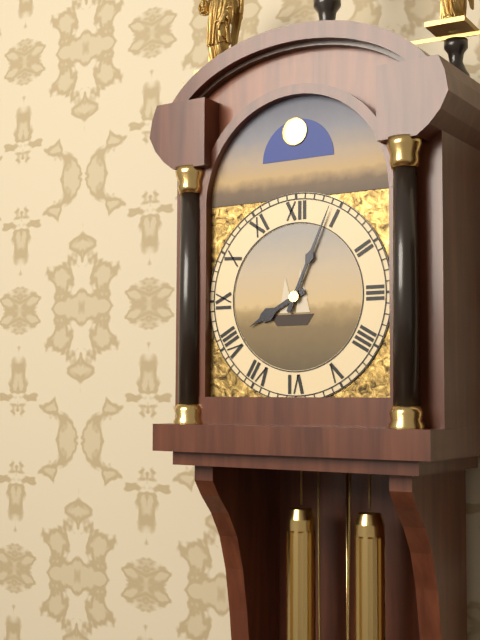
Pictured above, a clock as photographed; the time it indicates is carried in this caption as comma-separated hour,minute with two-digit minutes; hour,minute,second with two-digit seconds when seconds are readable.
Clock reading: 8,04
